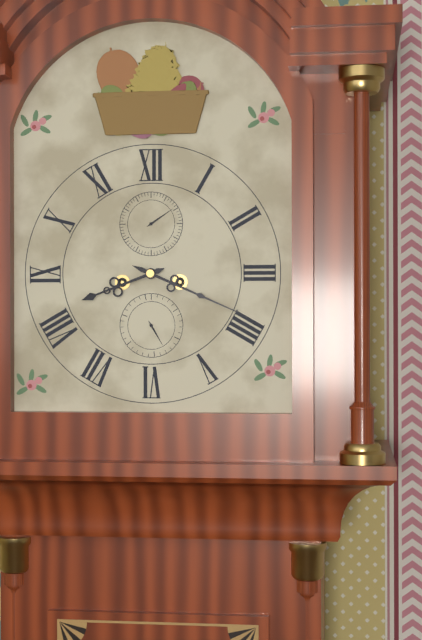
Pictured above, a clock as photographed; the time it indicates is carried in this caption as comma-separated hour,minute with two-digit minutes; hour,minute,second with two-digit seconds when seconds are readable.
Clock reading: 8,19
